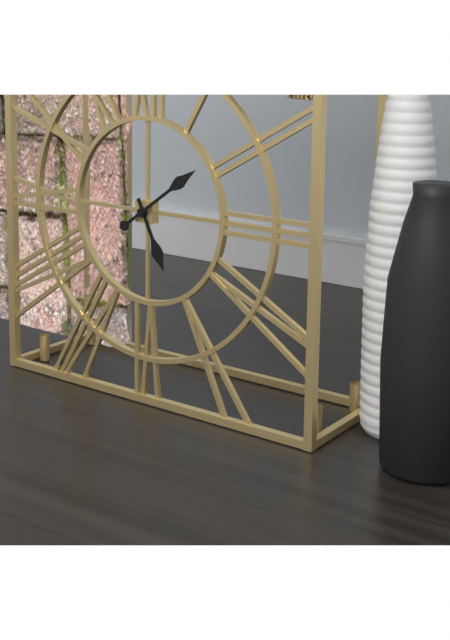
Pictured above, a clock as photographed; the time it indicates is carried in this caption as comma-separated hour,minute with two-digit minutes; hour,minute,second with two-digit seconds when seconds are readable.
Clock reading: 5,09
